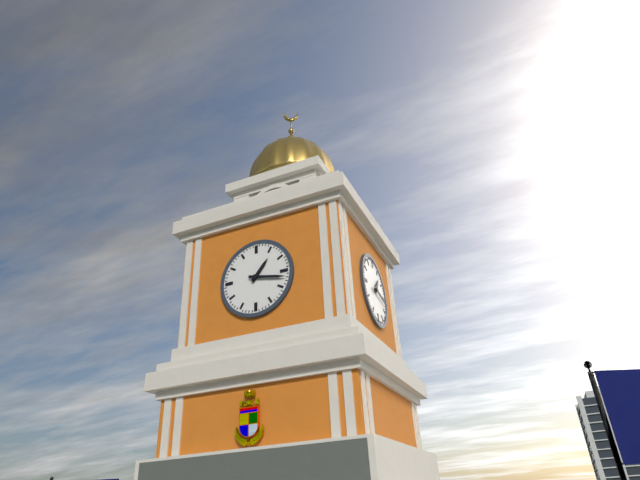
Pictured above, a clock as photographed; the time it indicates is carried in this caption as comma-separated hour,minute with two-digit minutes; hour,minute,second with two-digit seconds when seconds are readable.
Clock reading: 1,17
